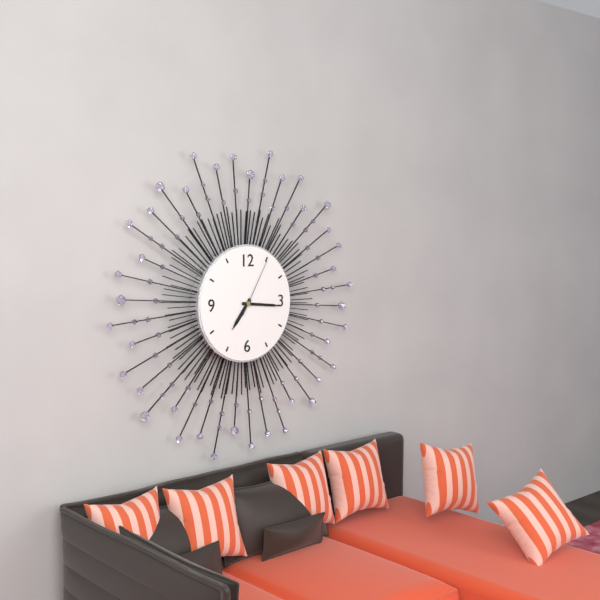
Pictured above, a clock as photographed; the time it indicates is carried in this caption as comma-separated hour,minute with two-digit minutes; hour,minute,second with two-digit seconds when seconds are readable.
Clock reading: 7,16,05
